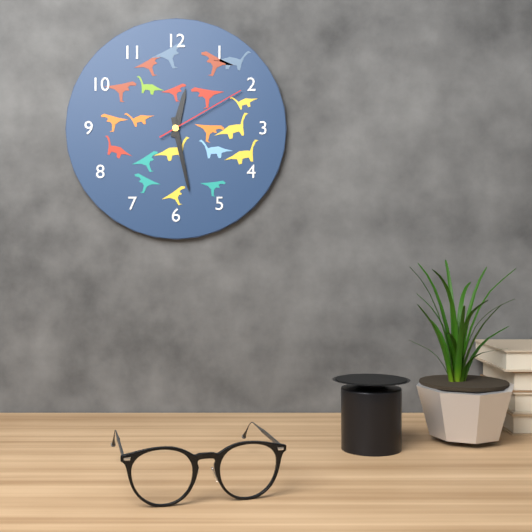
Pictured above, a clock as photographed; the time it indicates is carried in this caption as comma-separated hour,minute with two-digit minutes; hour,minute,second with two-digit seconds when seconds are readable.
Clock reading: 12,28,10
